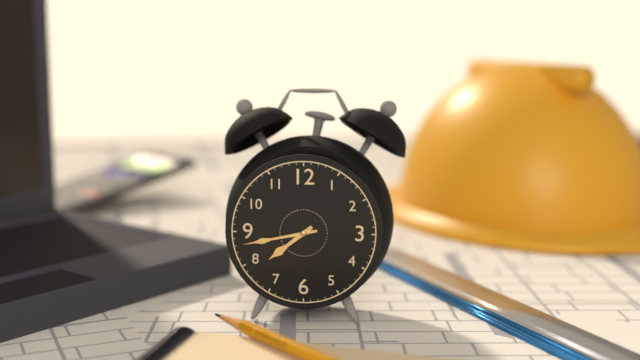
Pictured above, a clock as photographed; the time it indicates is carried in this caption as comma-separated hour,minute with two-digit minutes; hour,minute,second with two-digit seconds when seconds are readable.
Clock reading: 7,43
